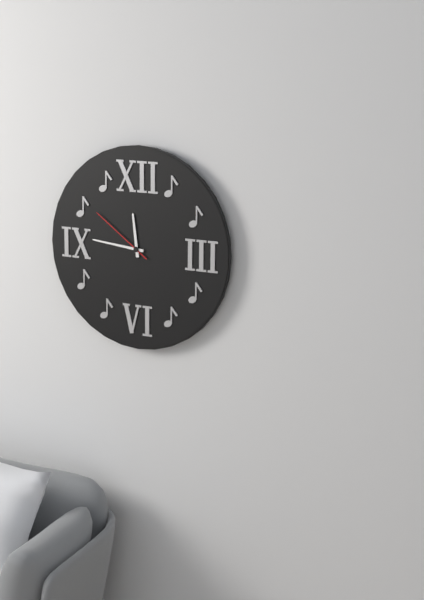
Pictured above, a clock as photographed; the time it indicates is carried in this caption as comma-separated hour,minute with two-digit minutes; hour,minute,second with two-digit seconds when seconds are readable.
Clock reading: 11,46,51
